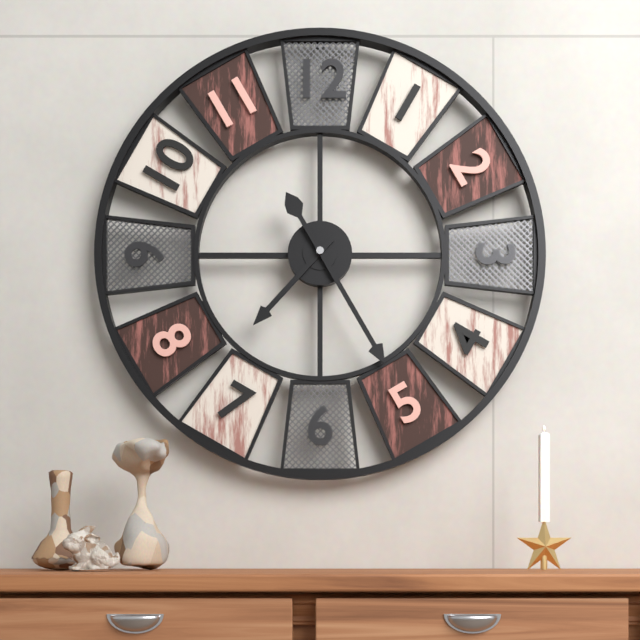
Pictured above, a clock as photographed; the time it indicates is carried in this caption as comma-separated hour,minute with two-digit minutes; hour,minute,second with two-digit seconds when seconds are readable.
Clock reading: 7,25
